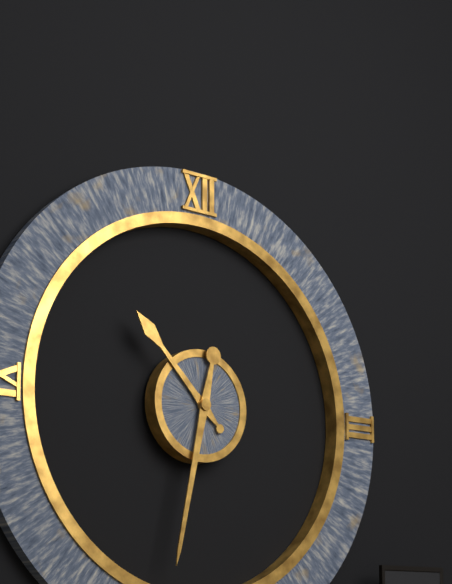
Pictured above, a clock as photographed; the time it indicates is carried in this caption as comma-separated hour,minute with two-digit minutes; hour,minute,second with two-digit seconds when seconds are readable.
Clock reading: 10,32
